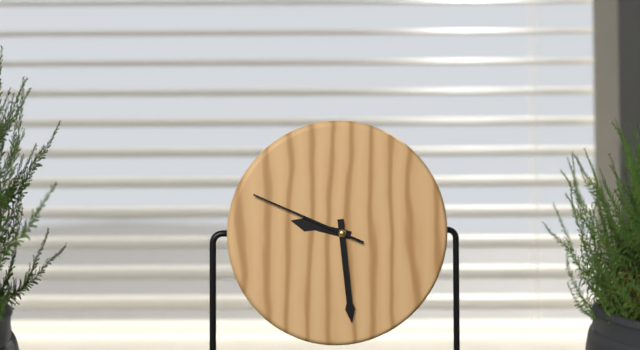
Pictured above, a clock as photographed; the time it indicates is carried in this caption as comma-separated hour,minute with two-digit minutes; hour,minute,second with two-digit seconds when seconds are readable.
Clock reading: 9,29,49
